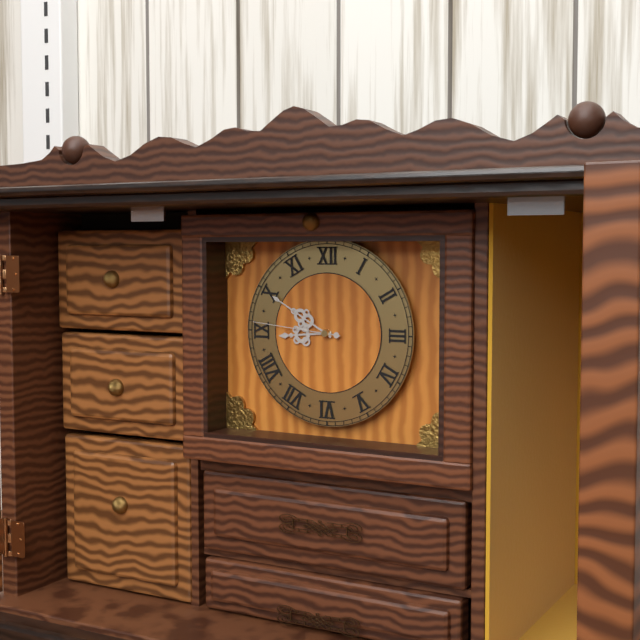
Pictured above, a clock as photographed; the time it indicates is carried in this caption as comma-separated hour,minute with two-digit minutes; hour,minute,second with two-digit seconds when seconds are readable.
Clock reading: 8,50,46
